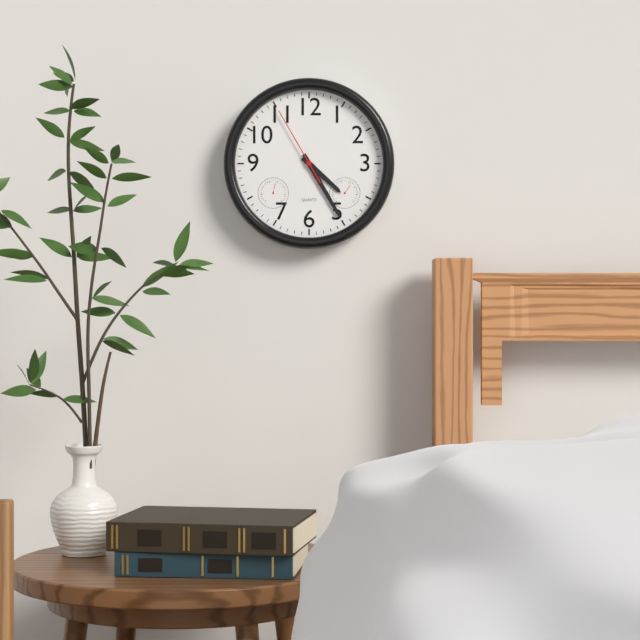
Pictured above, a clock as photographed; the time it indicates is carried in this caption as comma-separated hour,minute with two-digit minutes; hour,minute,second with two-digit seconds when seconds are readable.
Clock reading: 4,25,55
